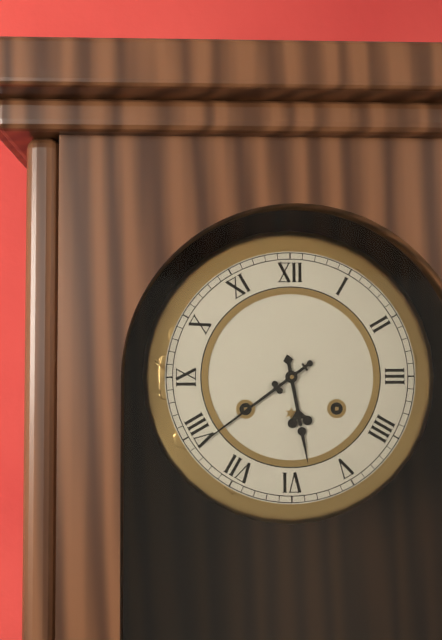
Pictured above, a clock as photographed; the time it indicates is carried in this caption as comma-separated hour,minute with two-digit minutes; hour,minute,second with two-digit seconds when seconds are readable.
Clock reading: 5,39
